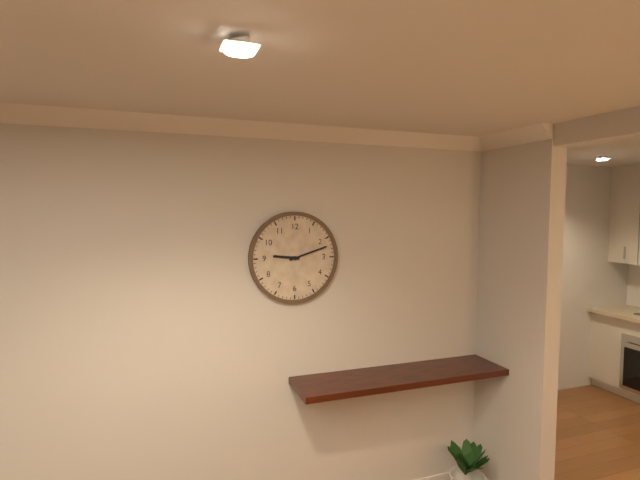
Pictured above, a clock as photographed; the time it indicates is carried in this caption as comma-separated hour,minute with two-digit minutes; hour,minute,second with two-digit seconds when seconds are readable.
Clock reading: 9,12
